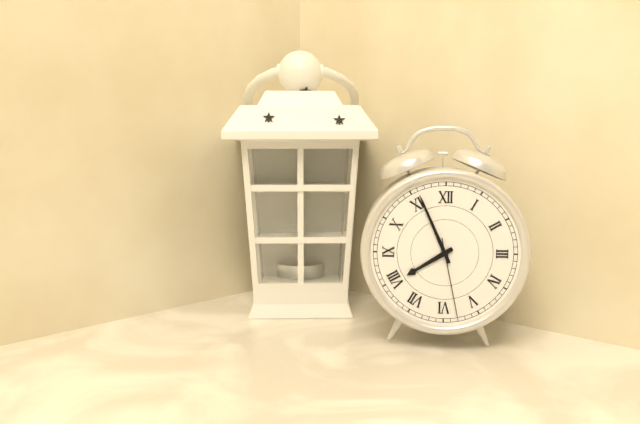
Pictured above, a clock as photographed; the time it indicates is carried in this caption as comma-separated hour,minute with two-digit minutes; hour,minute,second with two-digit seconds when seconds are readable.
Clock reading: 7,56,28
